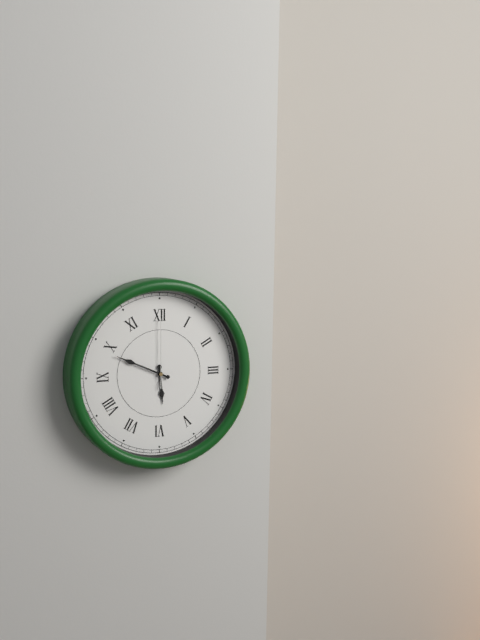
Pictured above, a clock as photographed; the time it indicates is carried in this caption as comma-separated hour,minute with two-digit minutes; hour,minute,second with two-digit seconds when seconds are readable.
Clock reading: 5,49,00
